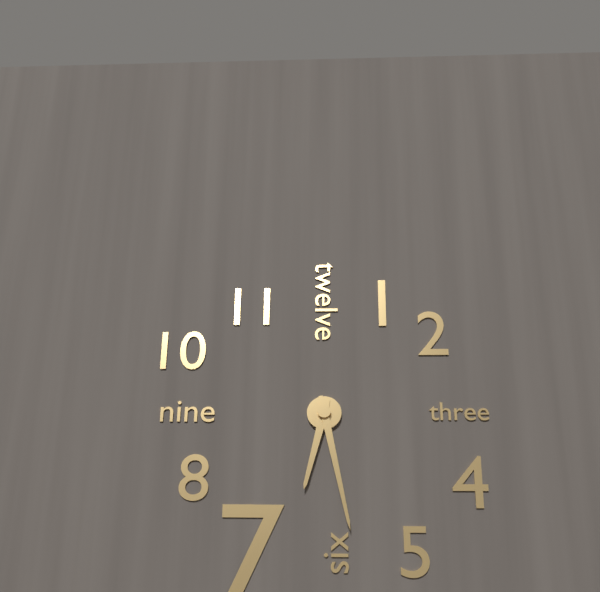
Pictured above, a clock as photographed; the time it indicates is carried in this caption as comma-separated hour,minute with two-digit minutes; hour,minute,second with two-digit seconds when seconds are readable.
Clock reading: 6,28
